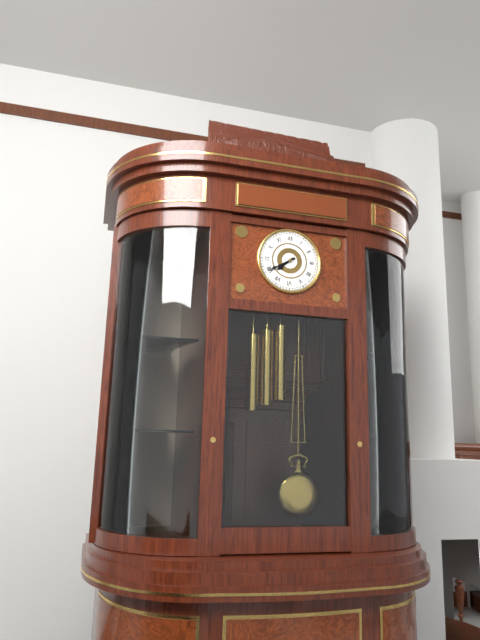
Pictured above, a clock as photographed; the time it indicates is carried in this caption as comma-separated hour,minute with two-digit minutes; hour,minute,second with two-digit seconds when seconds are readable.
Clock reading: 7,40
